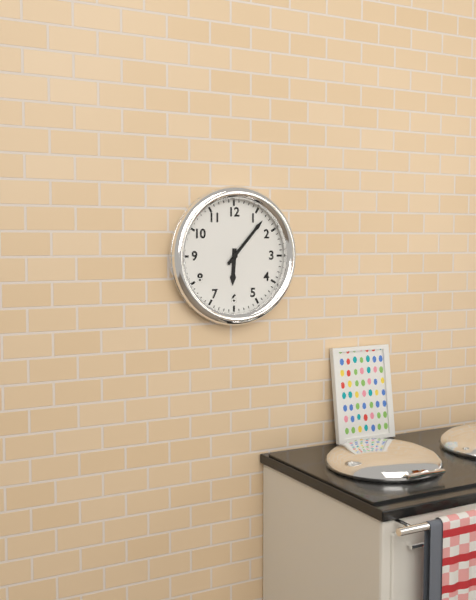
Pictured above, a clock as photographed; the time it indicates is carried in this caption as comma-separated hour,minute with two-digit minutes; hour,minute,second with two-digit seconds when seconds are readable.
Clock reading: 6,07
